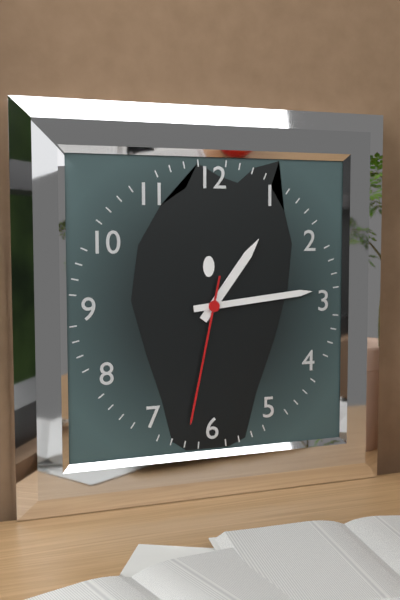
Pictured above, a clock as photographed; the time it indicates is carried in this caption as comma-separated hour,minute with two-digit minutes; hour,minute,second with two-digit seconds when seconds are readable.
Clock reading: 1,14,32
